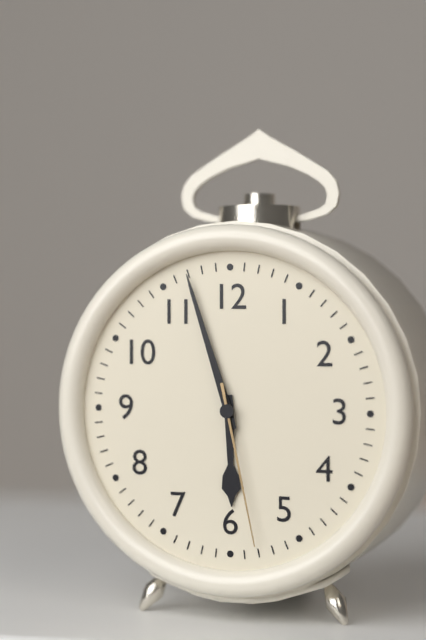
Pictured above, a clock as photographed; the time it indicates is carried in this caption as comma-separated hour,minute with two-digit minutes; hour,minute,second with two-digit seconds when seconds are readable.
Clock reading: 5,57,28
